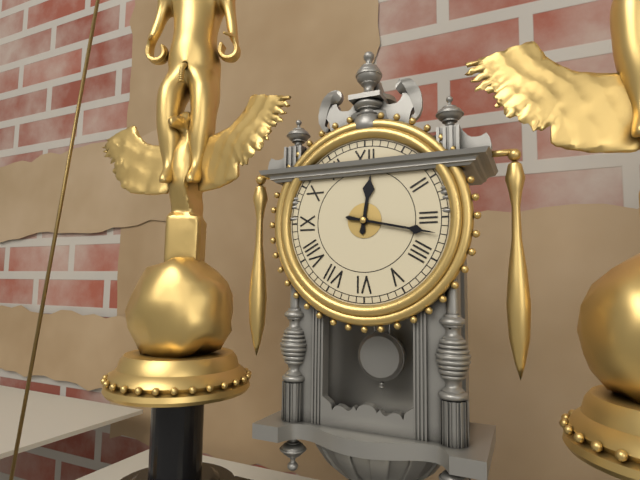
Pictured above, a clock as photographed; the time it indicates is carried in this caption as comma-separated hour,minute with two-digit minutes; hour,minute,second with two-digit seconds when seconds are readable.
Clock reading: 12,17
